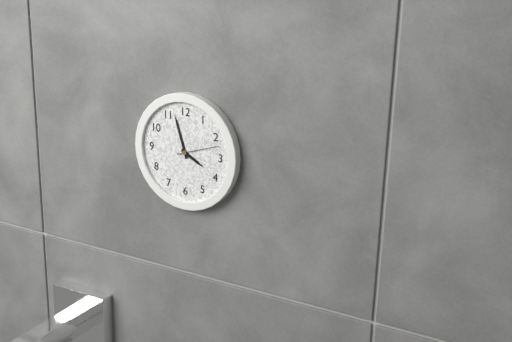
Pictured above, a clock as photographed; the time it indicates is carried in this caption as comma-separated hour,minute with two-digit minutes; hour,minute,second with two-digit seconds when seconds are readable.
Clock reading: 3,57
